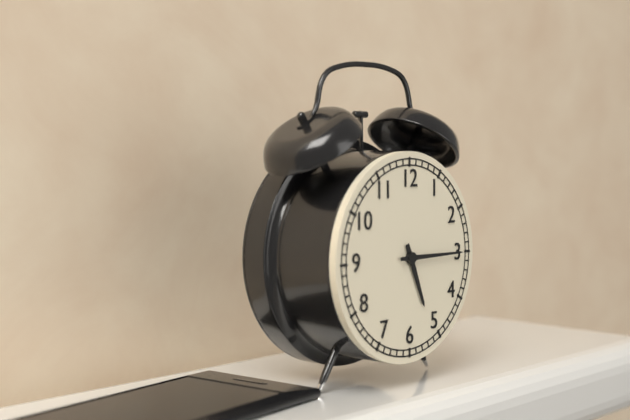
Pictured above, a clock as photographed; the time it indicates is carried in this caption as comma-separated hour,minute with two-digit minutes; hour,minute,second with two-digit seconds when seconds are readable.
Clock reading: 5,15
